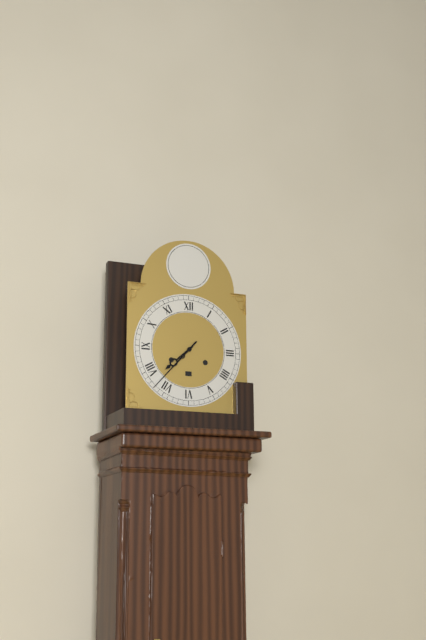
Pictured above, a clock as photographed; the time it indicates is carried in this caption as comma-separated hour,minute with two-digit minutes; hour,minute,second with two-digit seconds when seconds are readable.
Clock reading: 7,37
